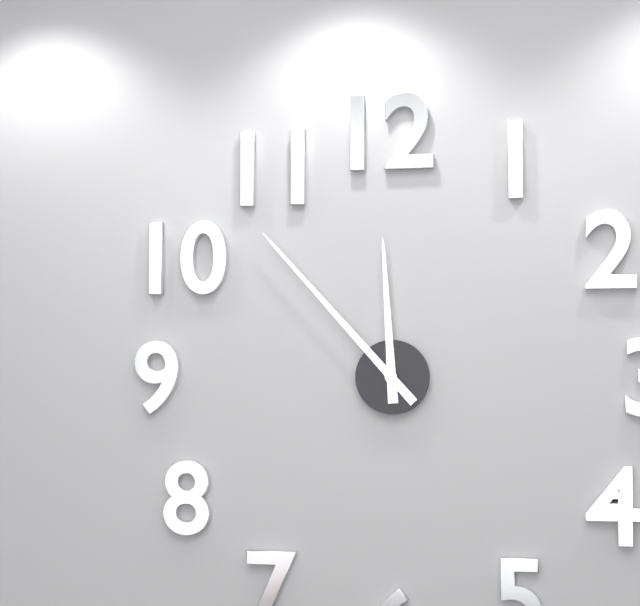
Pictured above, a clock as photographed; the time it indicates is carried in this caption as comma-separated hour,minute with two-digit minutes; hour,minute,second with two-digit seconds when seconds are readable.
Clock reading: 11,53
